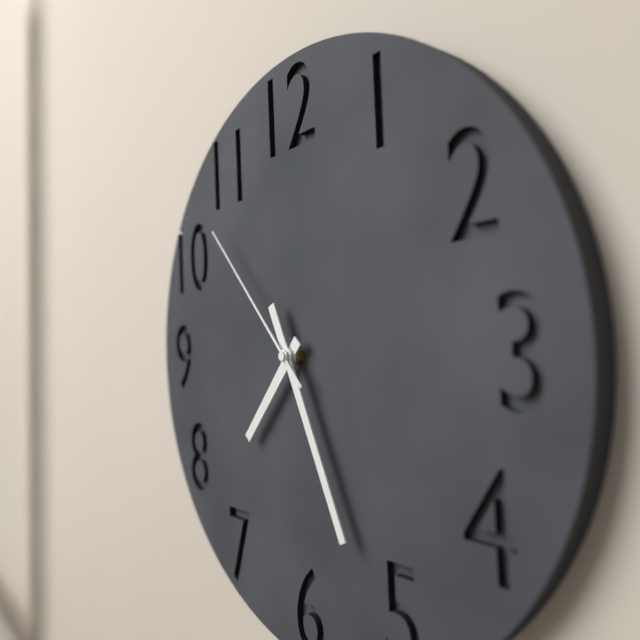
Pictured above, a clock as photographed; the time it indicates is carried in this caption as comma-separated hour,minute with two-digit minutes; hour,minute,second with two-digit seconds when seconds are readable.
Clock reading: 7,26,53
